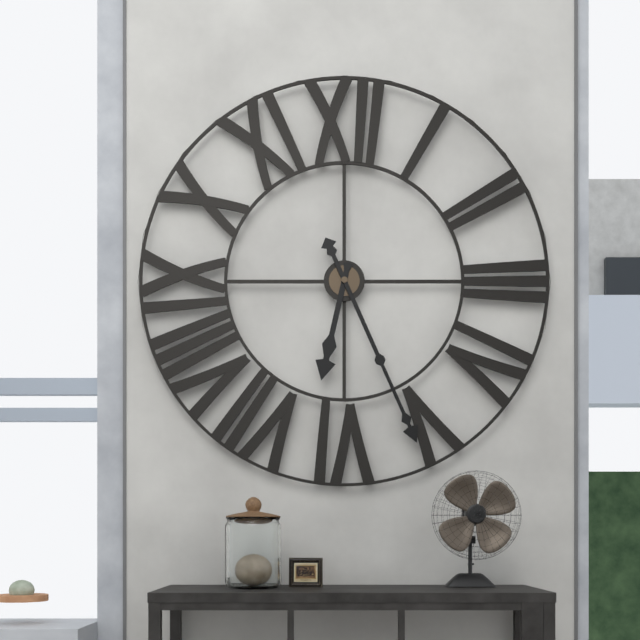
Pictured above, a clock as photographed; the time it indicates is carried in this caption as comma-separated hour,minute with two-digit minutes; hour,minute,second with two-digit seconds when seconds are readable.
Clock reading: 6,26
